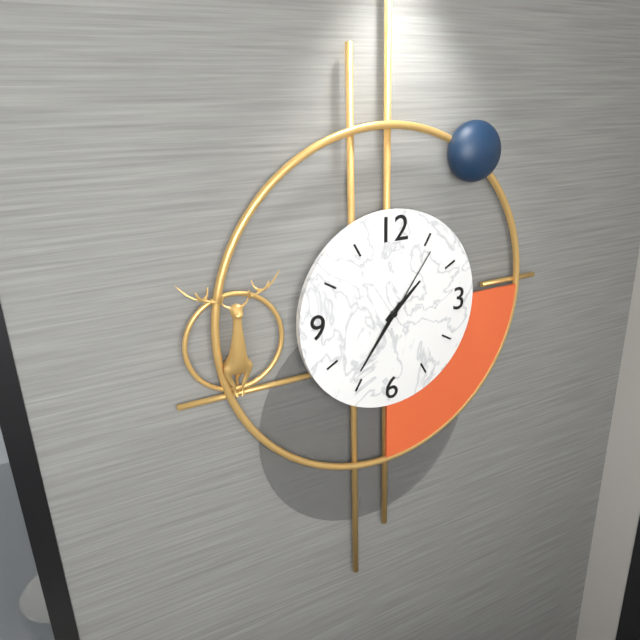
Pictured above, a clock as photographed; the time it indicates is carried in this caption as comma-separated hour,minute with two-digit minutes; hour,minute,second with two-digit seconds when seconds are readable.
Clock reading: 1,36,06
